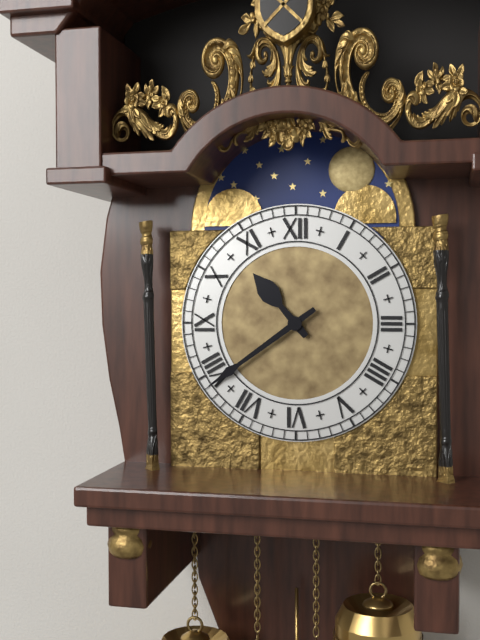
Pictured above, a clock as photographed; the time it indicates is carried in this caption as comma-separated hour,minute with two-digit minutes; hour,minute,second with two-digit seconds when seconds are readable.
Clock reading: 10,39
